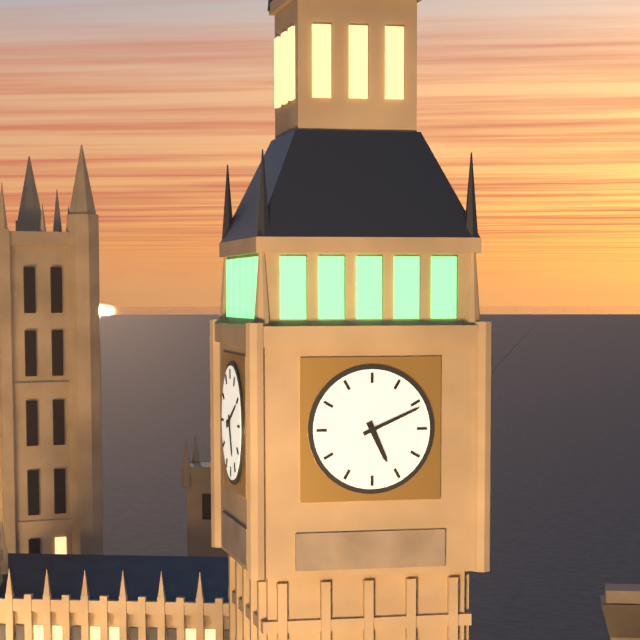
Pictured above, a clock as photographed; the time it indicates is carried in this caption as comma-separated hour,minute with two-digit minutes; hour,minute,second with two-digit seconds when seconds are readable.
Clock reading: 5,11
